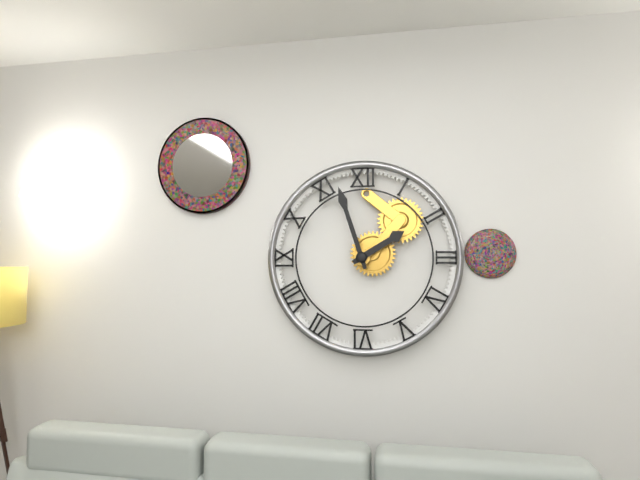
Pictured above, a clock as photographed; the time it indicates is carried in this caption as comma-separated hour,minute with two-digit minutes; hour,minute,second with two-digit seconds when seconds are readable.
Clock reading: 1,57
